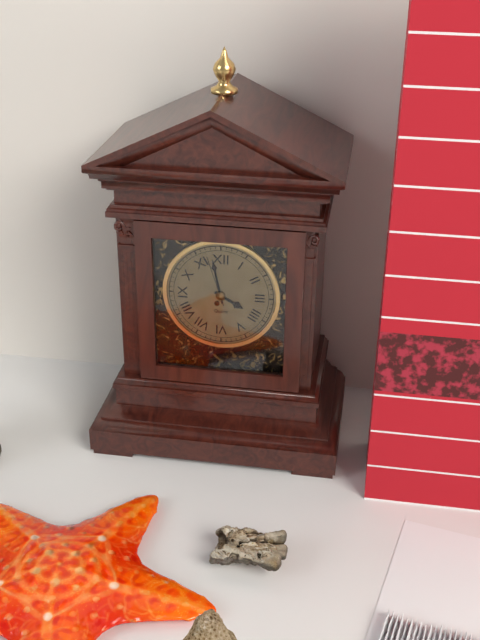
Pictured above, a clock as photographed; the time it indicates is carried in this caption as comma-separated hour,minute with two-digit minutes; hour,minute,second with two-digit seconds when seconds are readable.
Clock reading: 3,58,57
